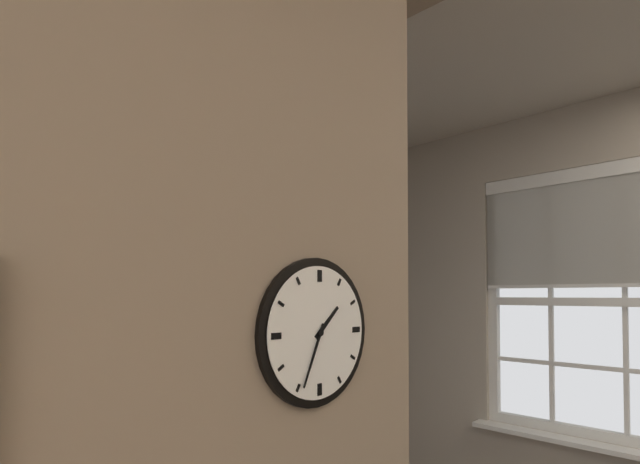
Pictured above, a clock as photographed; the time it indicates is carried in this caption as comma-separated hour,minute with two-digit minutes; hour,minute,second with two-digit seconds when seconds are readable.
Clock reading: 1,34
